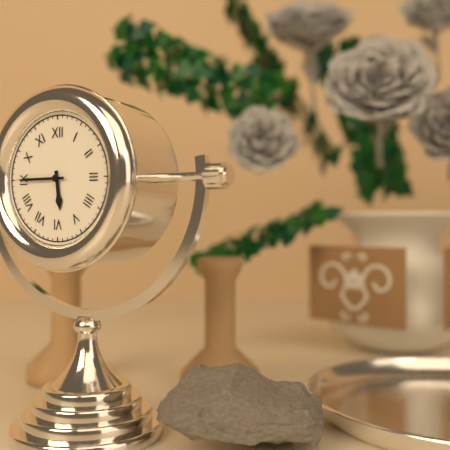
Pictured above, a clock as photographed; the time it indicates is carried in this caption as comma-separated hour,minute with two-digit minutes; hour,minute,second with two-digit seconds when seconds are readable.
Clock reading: 5,45
